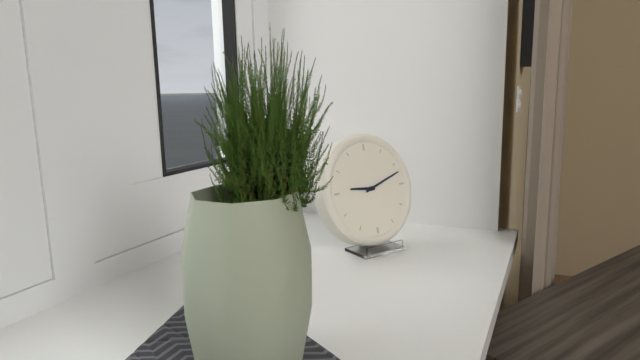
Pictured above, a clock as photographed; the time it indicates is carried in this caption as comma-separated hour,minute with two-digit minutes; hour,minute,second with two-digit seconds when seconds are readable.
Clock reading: 9,12
